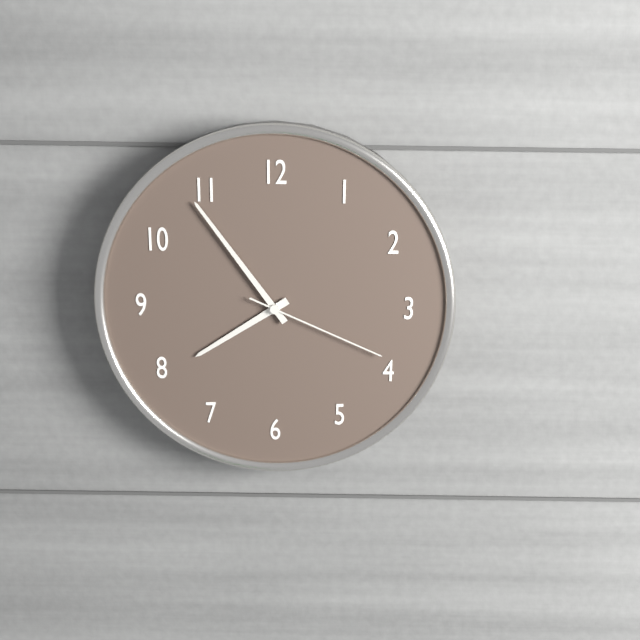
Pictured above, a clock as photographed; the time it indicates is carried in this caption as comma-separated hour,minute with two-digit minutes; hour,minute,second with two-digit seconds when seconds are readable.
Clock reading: 7,54,19
